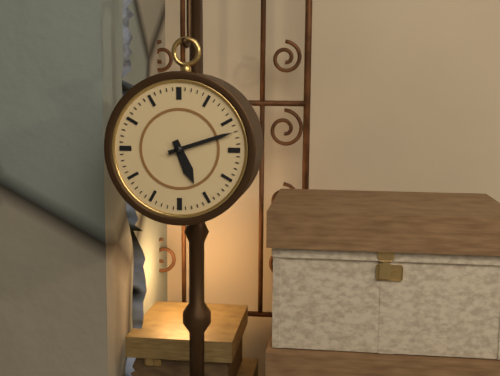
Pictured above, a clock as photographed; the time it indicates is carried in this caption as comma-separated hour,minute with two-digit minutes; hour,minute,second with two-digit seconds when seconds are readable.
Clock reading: 5,12
